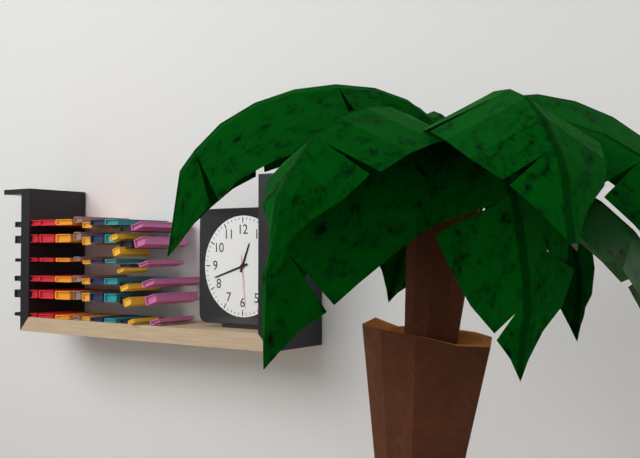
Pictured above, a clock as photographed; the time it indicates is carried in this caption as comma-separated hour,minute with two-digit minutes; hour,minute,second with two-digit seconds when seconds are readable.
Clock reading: 12,42,29
